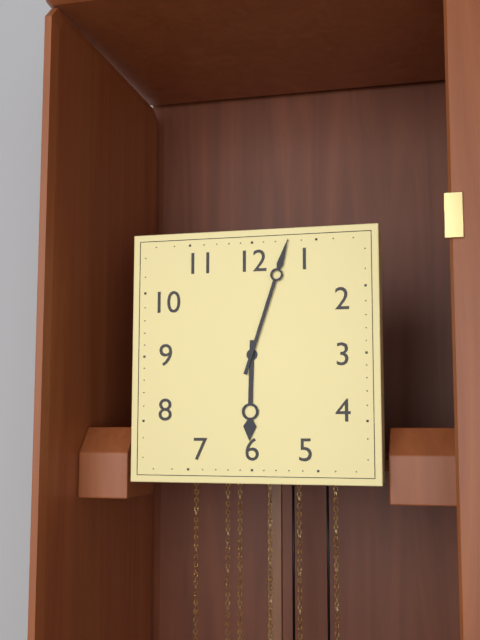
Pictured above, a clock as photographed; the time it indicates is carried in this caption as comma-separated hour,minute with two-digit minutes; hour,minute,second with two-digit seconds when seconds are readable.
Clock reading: 6,03
